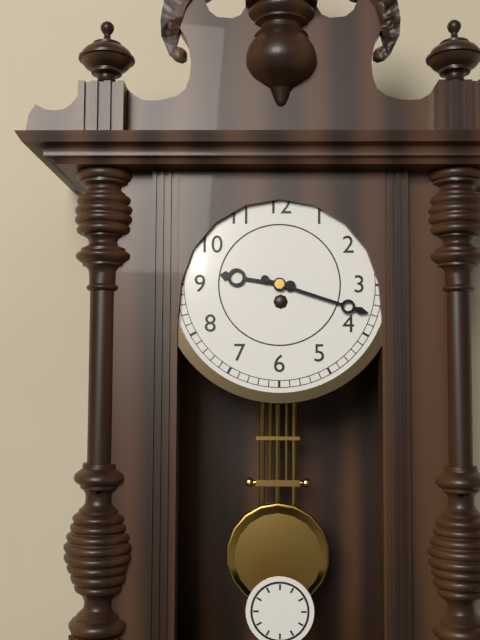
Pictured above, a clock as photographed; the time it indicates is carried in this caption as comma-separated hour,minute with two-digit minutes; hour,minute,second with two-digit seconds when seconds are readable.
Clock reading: 9,18
